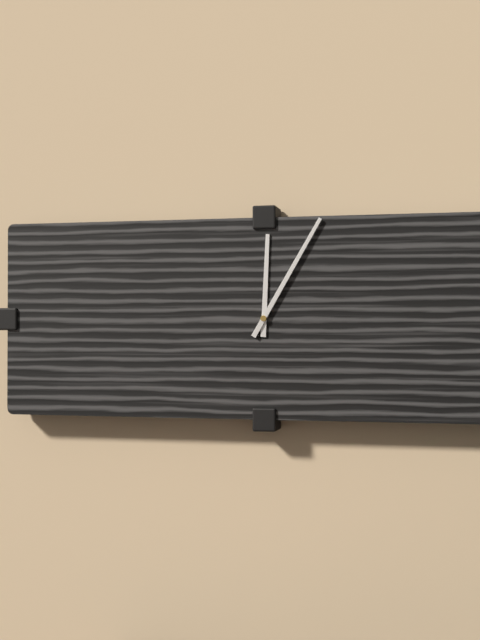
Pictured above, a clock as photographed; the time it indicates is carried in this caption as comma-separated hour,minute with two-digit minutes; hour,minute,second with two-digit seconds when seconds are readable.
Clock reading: 12,05
